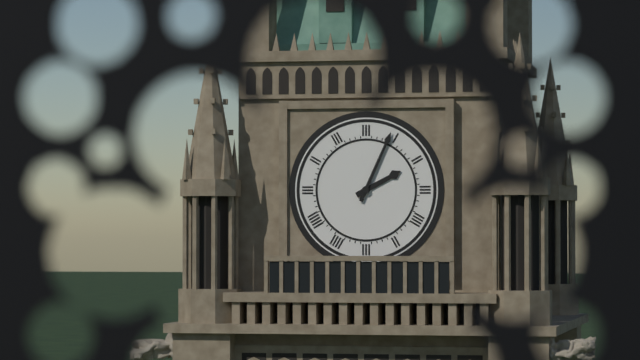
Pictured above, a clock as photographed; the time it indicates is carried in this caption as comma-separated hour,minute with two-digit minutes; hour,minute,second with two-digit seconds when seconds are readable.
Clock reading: 2,04
